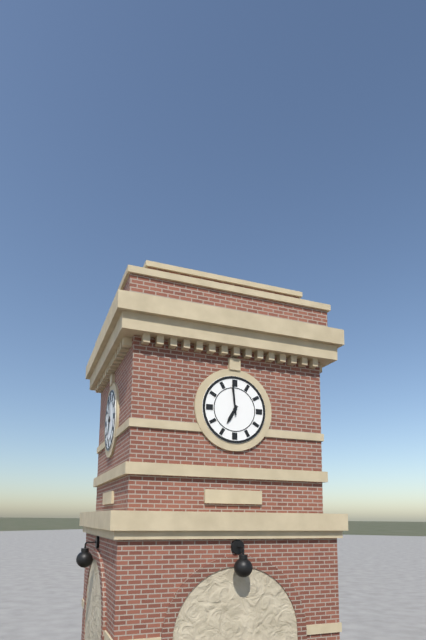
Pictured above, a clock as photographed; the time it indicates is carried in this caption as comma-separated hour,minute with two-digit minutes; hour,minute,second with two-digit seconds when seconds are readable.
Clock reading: 6,59
